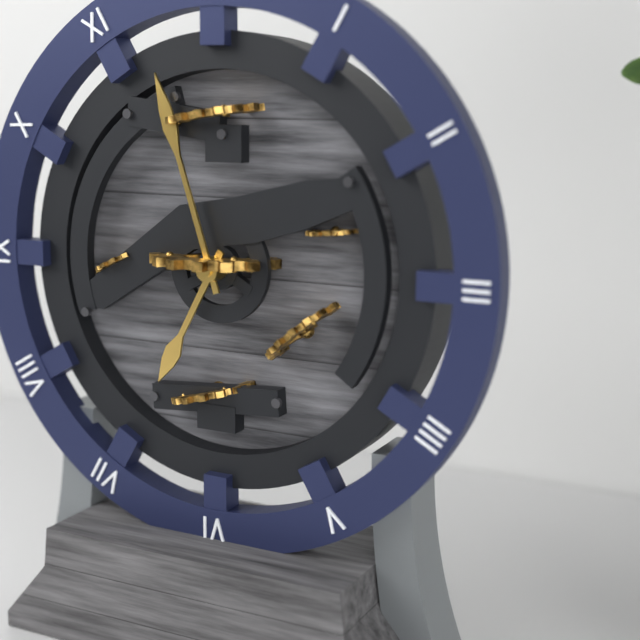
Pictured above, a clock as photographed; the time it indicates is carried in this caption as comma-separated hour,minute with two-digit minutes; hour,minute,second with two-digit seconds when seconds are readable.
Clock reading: 6,57
